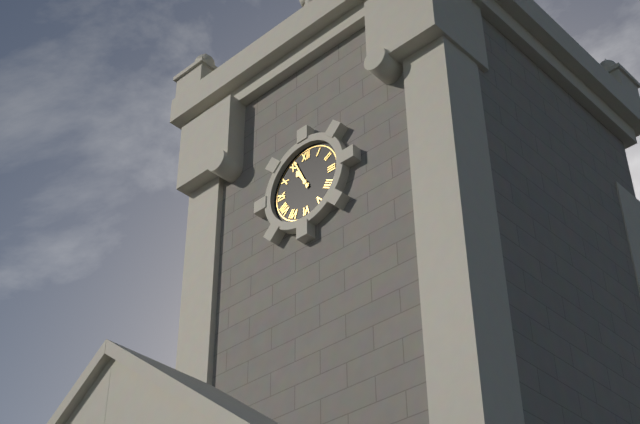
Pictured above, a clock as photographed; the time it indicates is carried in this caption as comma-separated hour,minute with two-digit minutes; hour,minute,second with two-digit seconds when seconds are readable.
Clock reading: 10,56
